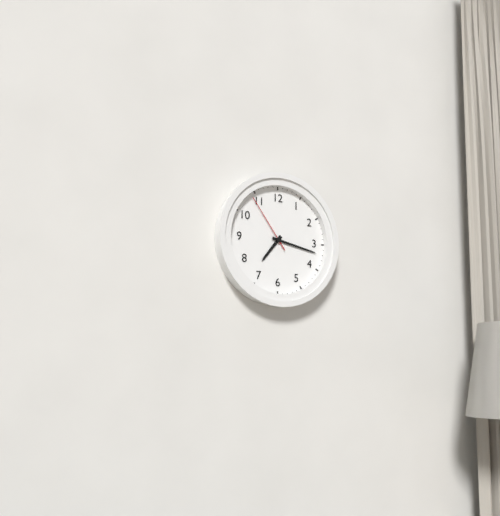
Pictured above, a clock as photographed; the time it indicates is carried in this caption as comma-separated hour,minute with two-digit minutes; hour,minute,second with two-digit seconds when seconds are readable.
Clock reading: 7,17,54
